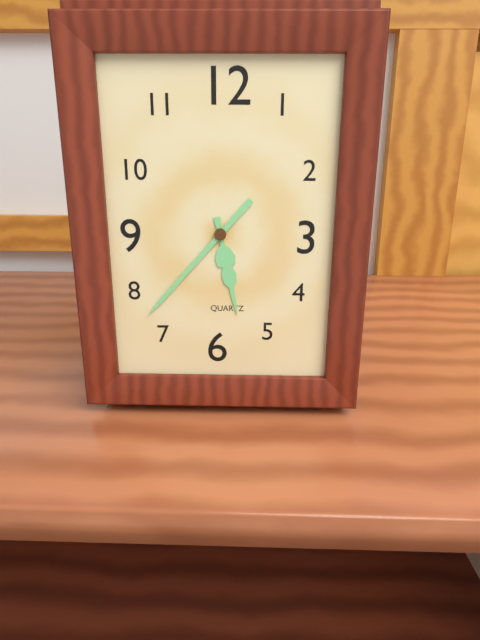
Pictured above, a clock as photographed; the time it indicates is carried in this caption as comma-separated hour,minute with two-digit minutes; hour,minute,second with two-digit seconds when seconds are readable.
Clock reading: 5,37
